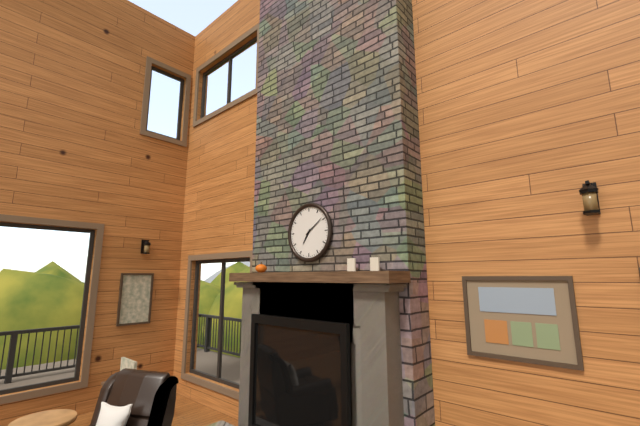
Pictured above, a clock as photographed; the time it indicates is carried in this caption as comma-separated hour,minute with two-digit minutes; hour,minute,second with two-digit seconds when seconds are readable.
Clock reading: 7,09
